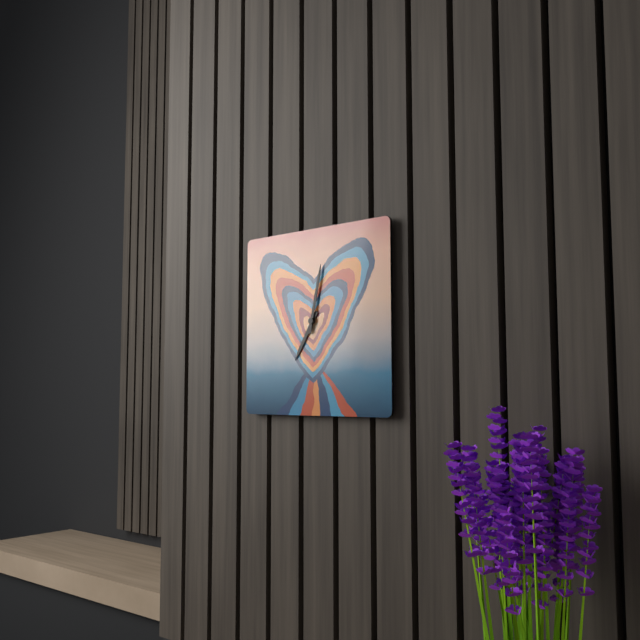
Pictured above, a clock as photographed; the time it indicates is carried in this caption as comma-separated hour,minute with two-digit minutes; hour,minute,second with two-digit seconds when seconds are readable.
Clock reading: 7,02
